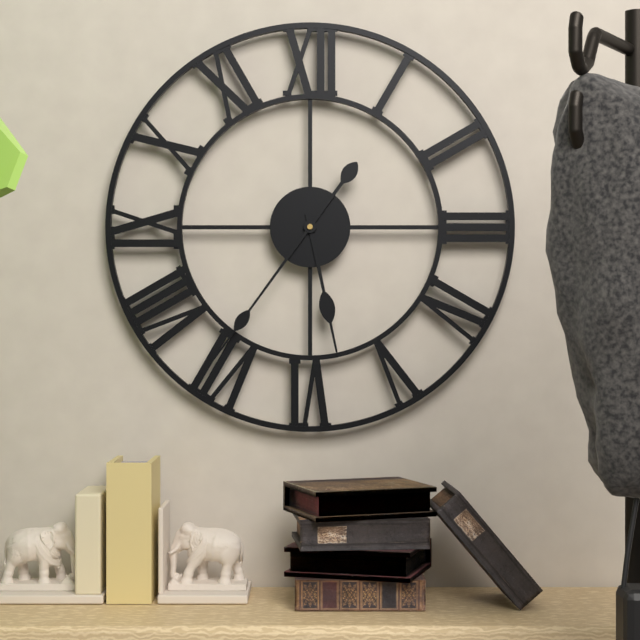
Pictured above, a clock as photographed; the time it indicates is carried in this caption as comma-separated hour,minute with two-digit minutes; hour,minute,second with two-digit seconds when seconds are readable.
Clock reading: 5,36
